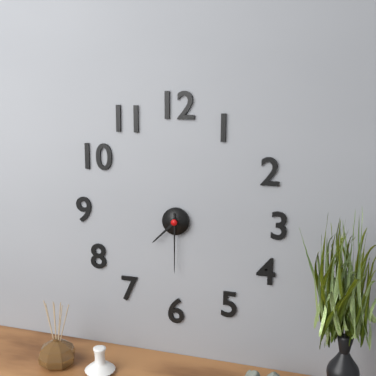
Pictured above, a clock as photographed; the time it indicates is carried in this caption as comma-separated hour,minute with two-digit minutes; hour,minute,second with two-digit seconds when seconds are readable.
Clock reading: 7,30
